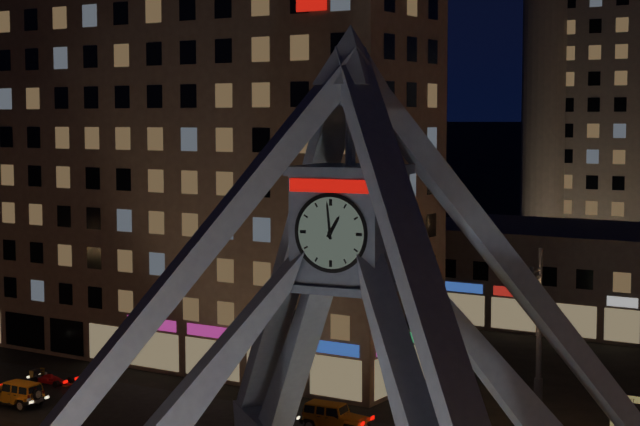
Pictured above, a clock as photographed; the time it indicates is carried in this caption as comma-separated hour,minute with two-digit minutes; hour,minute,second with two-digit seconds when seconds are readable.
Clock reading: 12,59
